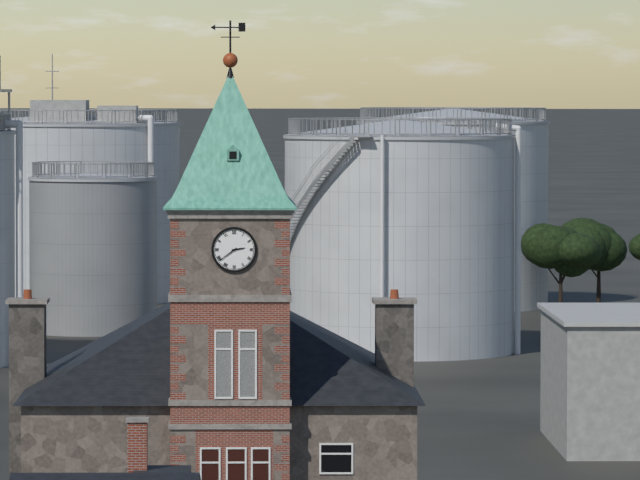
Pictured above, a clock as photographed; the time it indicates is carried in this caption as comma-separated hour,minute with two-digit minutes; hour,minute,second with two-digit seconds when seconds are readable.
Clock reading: 2,39
